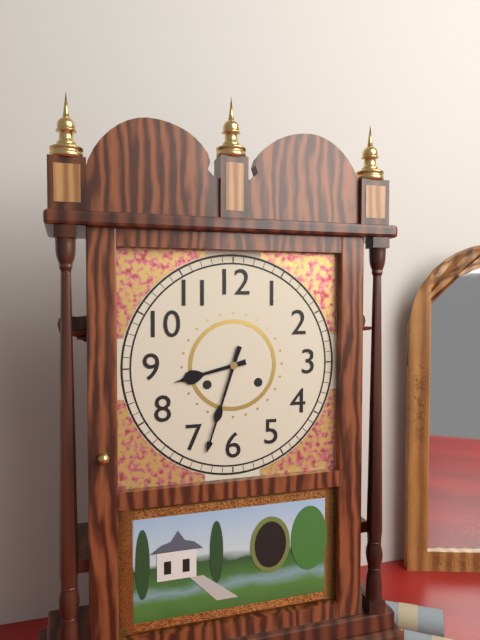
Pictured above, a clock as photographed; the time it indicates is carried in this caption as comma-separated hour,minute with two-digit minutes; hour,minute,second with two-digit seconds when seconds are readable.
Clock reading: 8,33
